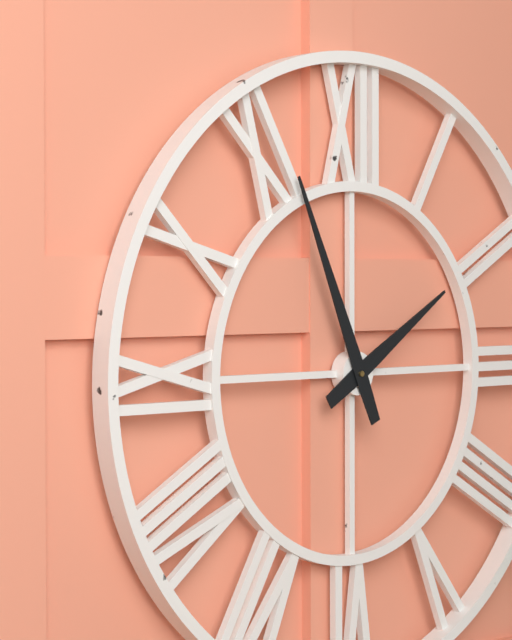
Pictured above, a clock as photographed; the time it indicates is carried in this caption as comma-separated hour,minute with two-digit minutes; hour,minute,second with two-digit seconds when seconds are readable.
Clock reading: 1,56
